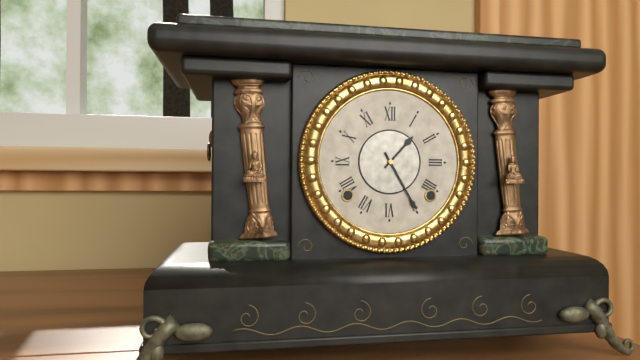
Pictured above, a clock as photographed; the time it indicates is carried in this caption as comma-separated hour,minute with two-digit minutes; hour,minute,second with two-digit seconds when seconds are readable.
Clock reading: 1,25
